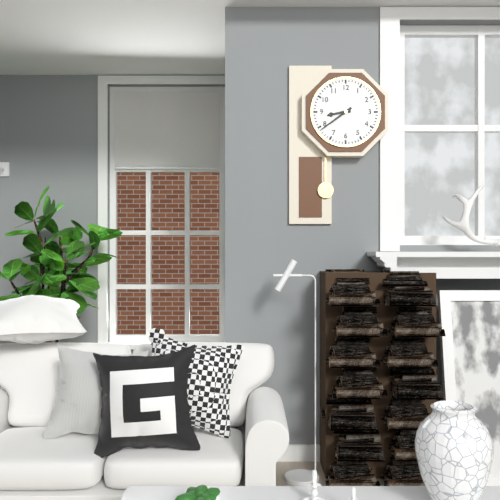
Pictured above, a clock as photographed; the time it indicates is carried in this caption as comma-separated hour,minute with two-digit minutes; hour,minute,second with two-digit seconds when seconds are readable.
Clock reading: 8,39
